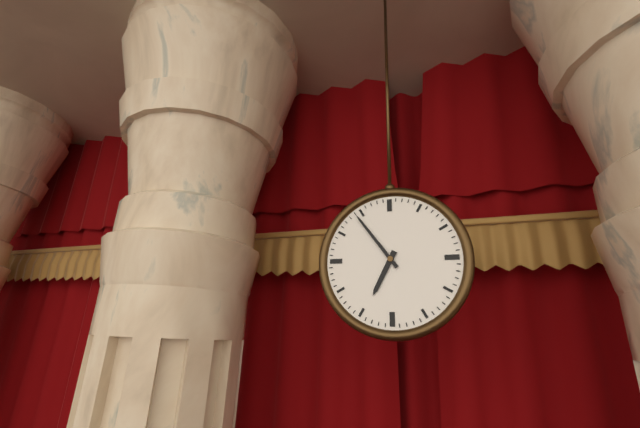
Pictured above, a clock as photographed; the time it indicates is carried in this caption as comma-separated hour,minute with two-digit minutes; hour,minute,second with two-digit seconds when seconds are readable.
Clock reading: 6,54
